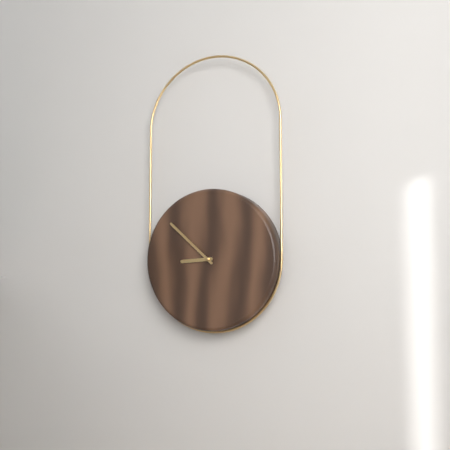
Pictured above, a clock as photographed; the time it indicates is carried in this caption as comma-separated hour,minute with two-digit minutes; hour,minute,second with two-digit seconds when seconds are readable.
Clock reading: 8,52
